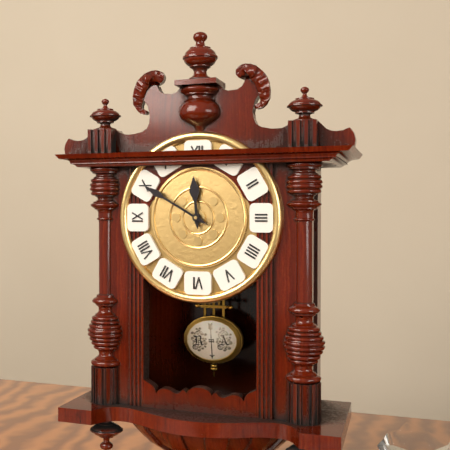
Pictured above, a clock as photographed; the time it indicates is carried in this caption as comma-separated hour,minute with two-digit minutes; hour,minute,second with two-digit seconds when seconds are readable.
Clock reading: 11,50
